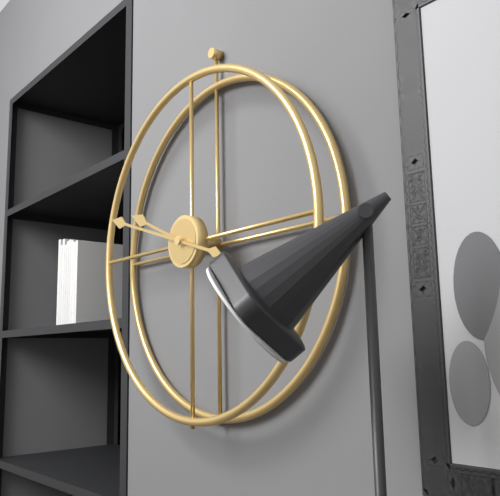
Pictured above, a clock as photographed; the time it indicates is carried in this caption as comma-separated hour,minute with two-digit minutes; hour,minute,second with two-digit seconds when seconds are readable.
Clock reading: 9,48
